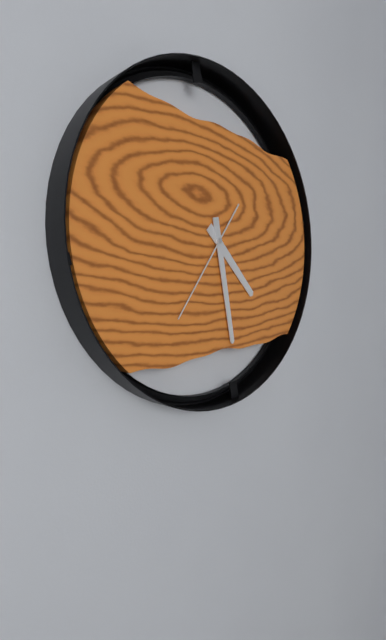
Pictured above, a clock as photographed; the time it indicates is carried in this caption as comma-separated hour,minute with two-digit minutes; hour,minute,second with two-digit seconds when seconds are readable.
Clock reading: 4,28,36
